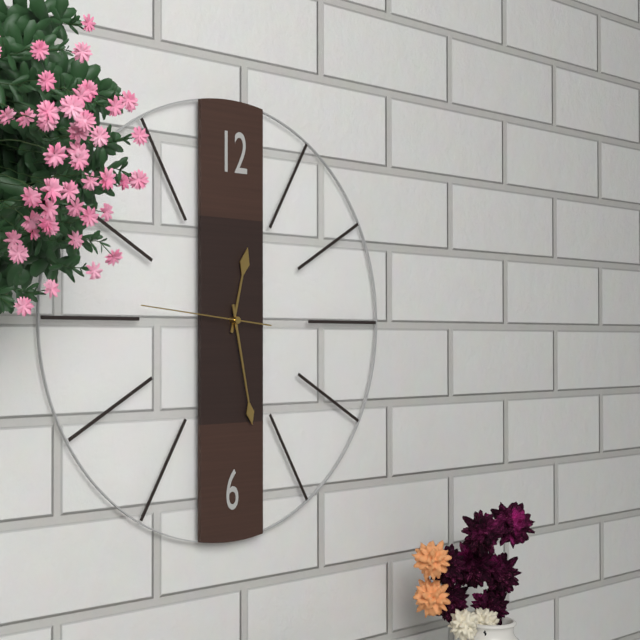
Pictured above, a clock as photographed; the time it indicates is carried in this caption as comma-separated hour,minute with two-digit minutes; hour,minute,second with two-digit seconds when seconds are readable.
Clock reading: 12,28,46
